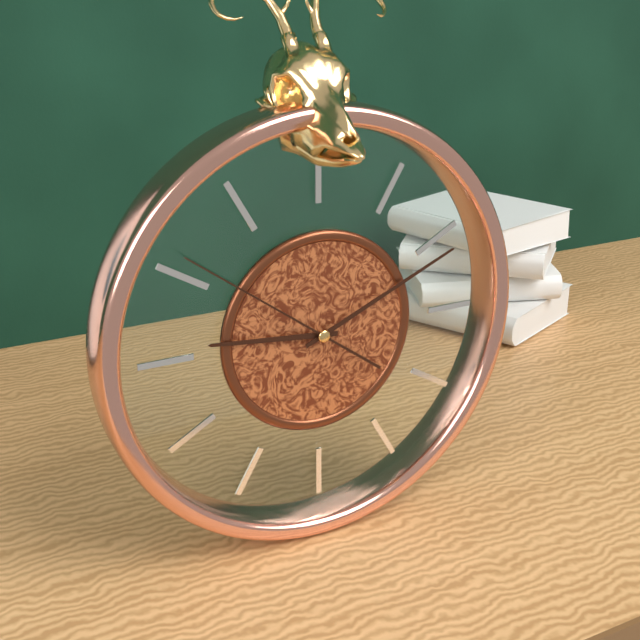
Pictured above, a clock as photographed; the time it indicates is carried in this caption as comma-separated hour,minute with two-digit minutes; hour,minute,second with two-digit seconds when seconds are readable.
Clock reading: 9,11,51
